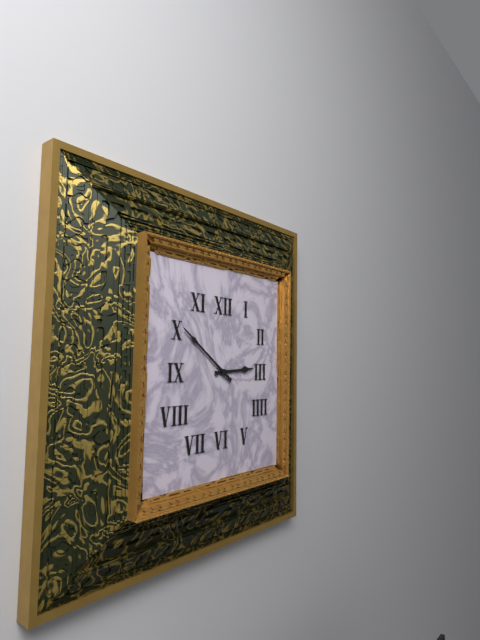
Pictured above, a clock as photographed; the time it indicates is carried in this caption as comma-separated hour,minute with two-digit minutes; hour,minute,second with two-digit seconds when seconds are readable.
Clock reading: 2,51
